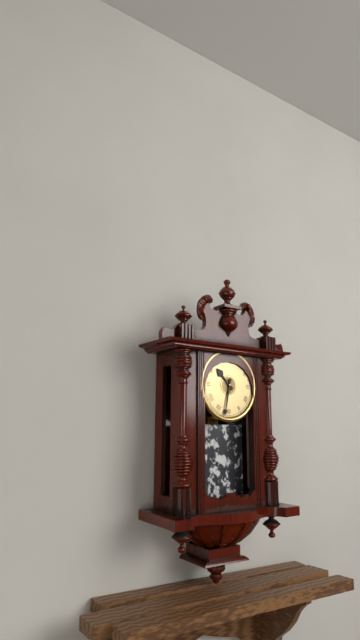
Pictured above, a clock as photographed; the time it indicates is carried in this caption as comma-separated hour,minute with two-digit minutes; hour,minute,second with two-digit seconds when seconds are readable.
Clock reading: 10,32
